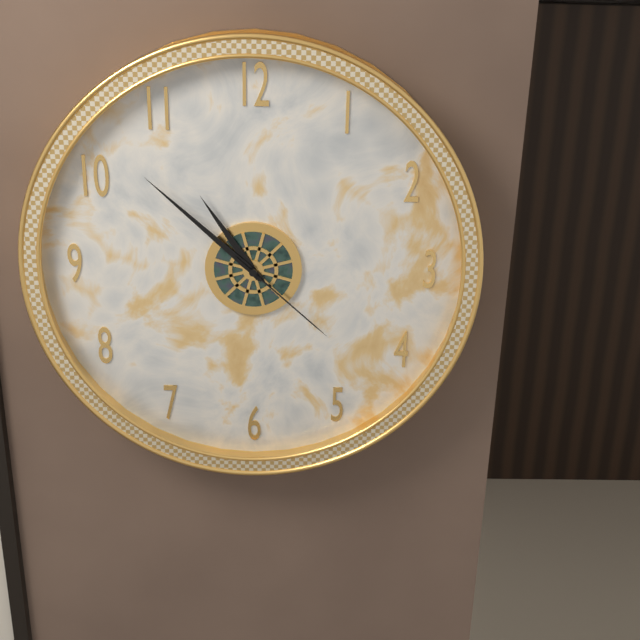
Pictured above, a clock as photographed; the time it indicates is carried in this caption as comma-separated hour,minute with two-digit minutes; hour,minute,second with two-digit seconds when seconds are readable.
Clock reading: 10,52,22
